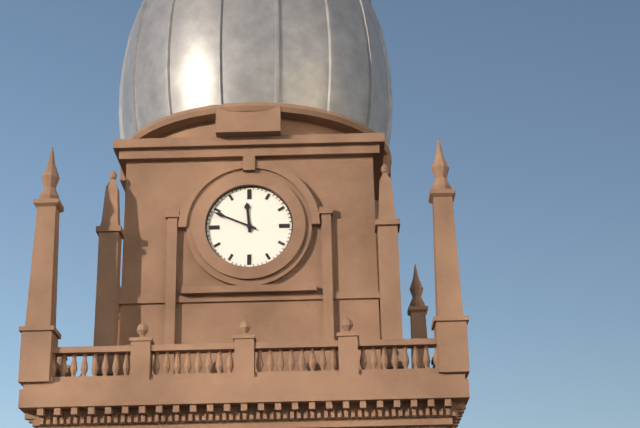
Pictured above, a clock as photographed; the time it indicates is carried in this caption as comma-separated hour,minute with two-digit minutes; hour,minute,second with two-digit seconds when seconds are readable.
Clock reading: 11,49
